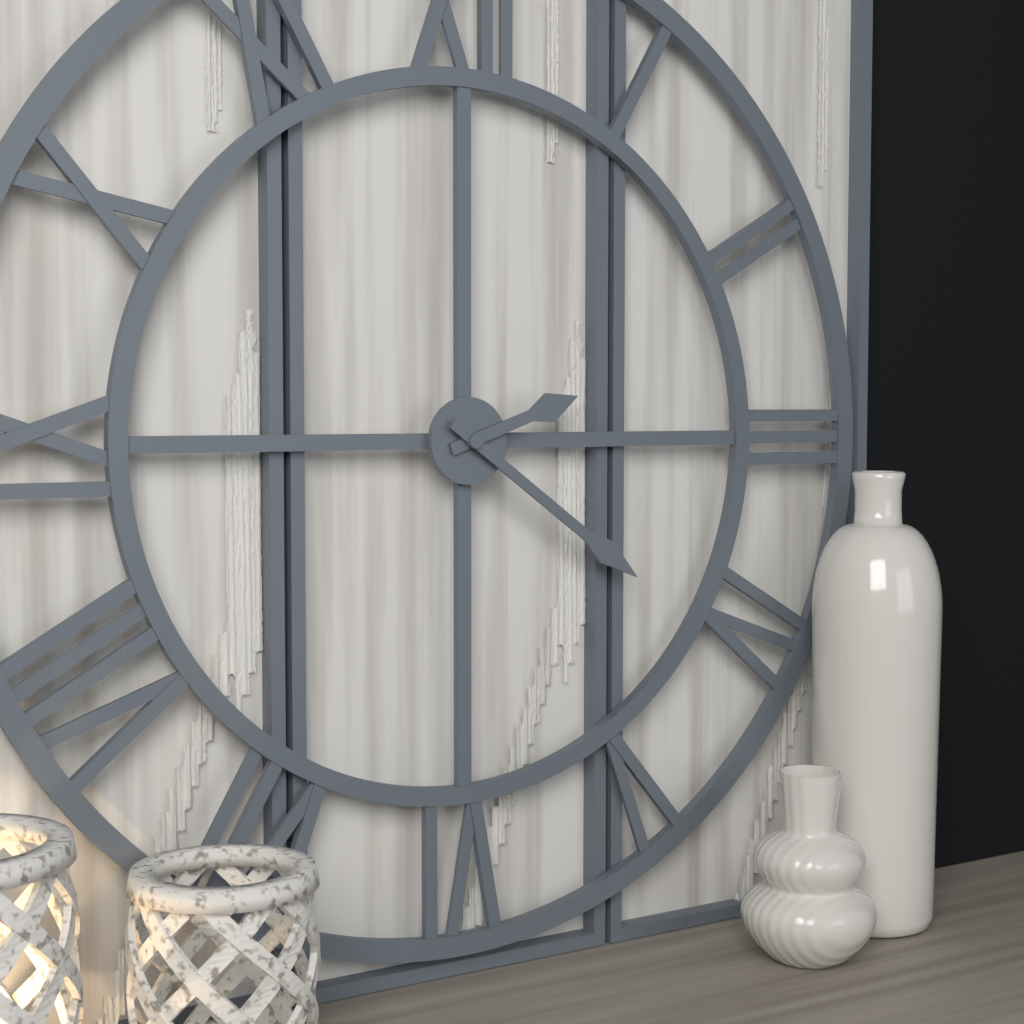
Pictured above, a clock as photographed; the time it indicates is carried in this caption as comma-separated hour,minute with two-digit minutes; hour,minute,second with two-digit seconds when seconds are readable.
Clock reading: 2,21
